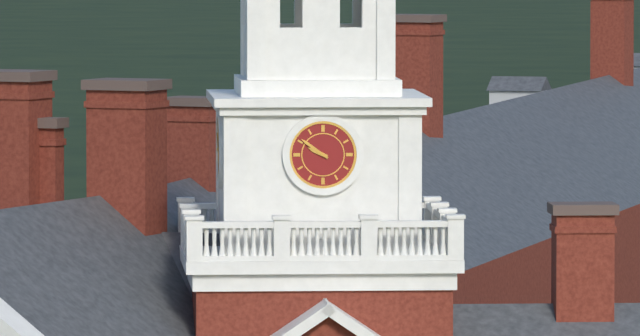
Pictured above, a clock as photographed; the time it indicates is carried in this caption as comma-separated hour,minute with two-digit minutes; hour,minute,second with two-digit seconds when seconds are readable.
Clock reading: 9,51
